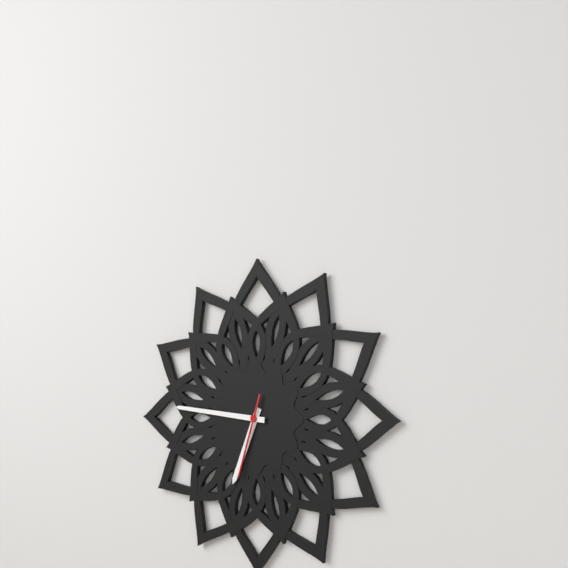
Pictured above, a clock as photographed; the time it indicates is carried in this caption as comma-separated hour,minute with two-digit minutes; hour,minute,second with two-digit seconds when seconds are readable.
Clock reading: 6,46,33
